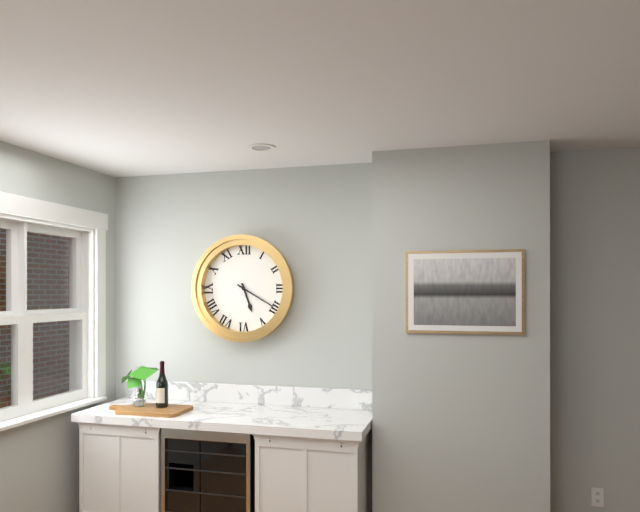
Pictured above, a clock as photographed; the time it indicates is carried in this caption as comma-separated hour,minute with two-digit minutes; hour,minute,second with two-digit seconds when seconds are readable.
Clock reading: 5,20
